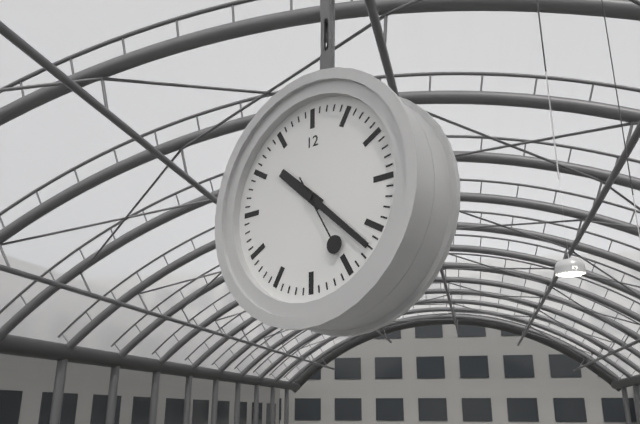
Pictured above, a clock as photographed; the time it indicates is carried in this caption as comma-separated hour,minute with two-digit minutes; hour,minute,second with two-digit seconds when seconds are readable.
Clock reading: 10,22,25
